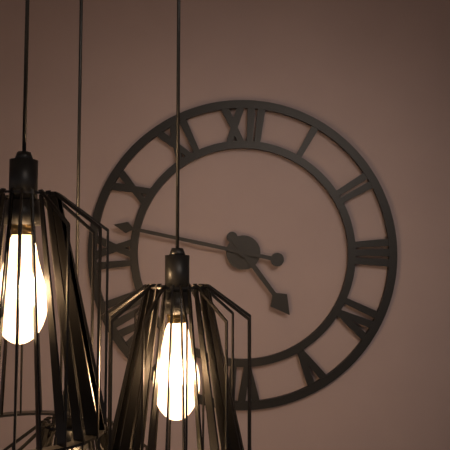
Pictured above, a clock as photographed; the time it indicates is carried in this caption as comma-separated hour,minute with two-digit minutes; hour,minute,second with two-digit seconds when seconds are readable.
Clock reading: 4,47
